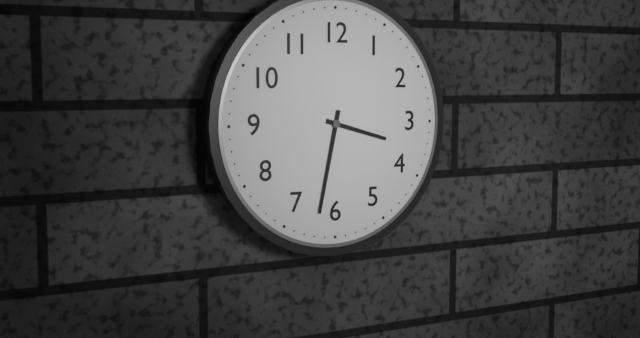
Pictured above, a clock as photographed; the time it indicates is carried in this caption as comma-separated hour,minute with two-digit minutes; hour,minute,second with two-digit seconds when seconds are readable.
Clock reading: 3,32
